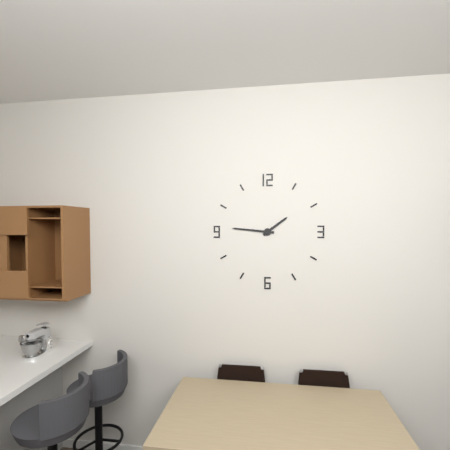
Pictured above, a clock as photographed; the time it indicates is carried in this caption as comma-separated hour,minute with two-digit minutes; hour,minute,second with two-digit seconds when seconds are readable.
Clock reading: 1,46
